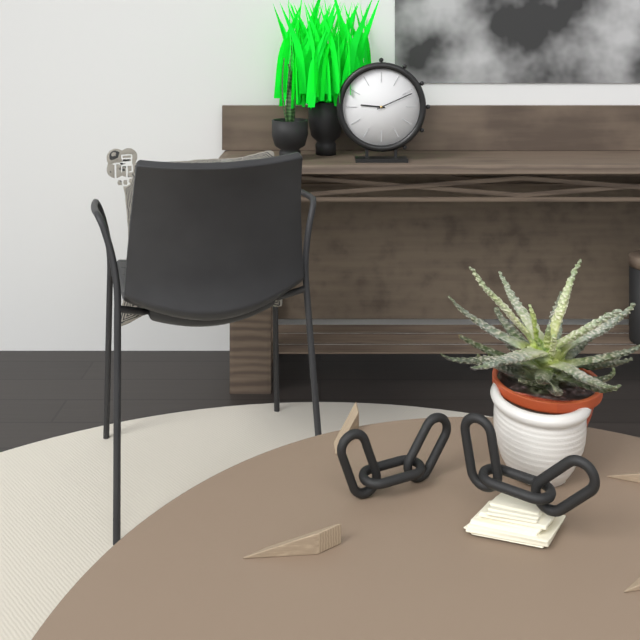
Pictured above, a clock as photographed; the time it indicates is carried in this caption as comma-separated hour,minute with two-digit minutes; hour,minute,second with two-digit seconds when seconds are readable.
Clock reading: 9,11
